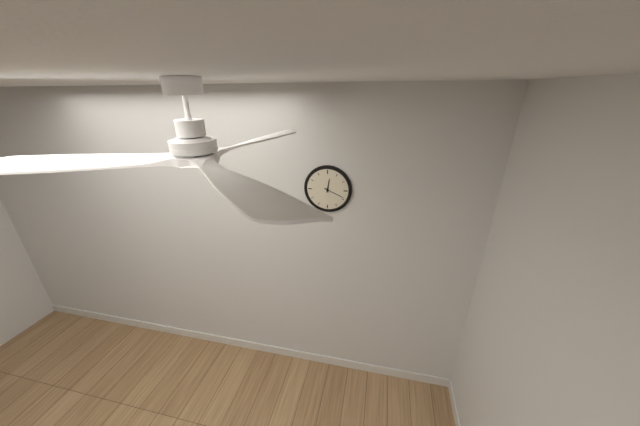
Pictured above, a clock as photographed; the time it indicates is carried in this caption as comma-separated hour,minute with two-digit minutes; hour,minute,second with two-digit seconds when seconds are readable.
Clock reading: 12,19
